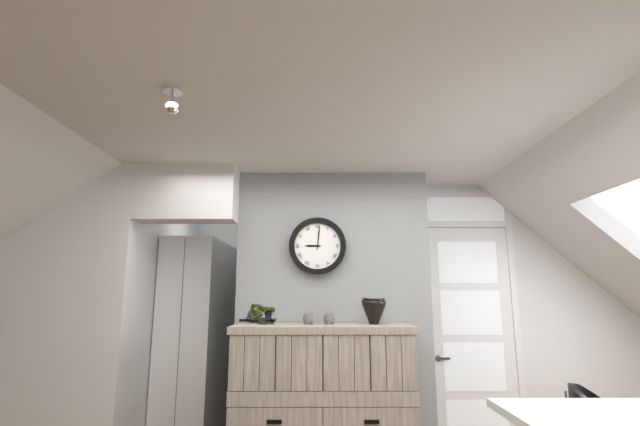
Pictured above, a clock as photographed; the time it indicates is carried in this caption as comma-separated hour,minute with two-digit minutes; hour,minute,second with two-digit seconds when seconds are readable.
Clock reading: 9,01
